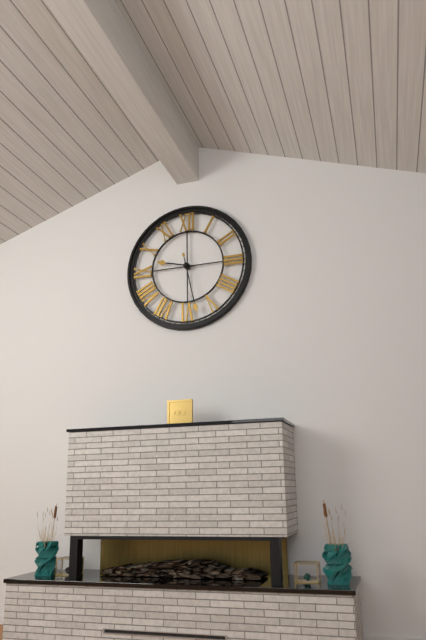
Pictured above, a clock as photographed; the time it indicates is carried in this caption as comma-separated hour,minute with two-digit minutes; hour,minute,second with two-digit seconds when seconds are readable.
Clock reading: 9,28
